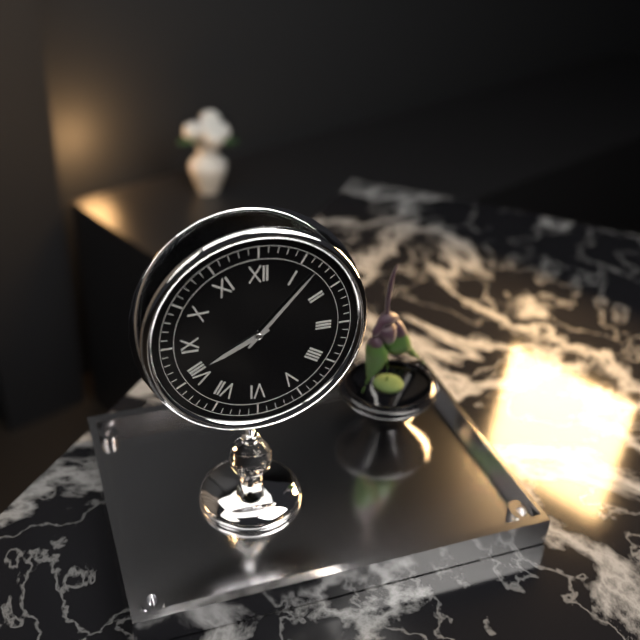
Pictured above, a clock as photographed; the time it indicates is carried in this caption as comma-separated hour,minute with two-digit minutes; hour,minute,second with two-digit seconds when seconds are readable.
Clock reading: 8,07
